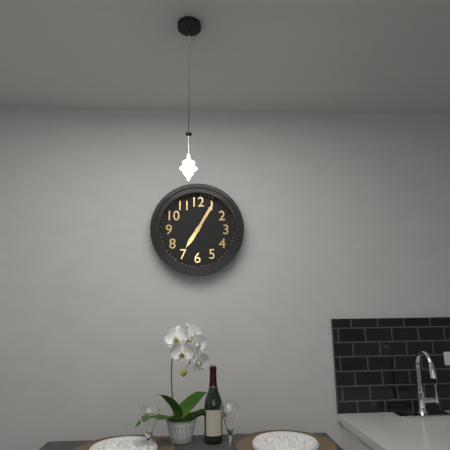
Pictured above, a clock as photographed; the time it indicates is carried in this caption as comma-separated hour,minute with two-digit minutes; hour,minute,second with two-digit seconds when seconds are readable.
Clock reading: 7,05
